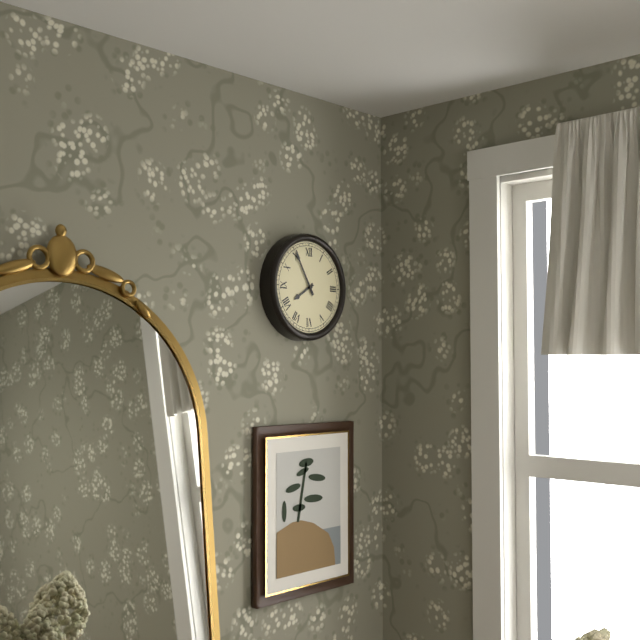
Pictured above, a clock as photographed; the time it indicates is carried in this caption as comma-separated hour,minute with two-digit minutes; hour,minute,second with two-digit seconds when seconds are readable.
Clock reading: 7,55
